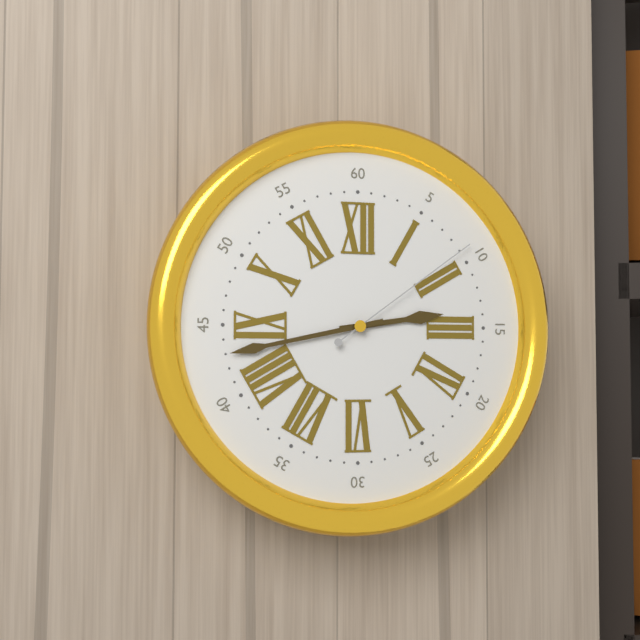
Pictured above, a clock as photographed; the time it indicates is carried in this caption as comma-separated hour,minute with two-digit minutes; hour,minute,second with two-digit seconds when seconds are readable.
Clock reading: 2,43,09
